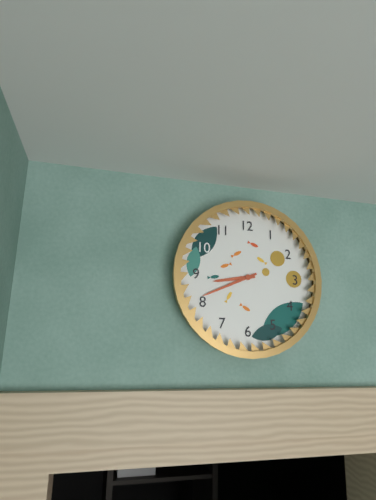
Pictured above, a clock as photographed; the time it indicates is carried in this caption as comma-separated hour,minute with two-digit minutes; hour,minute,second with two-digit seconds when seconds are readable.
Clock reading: 8,41
